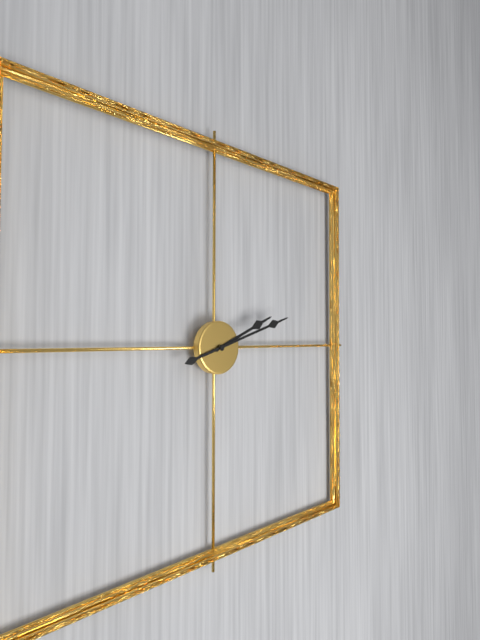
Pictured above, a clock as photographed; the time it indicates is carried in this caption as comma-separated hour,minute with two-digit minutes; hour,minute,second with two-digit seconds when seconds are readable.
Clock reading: 2,12
